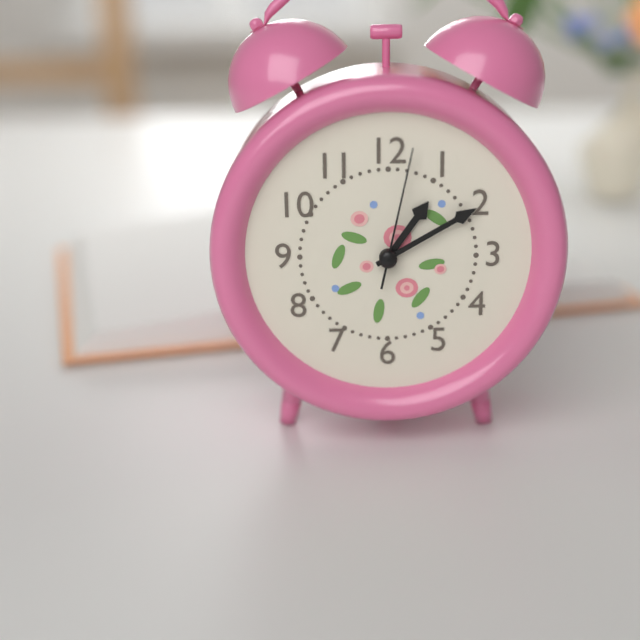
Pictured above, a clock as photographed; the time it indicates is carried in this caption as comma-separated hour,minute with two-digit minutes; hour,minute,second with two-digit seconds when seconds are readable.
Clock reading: 1,10,02
